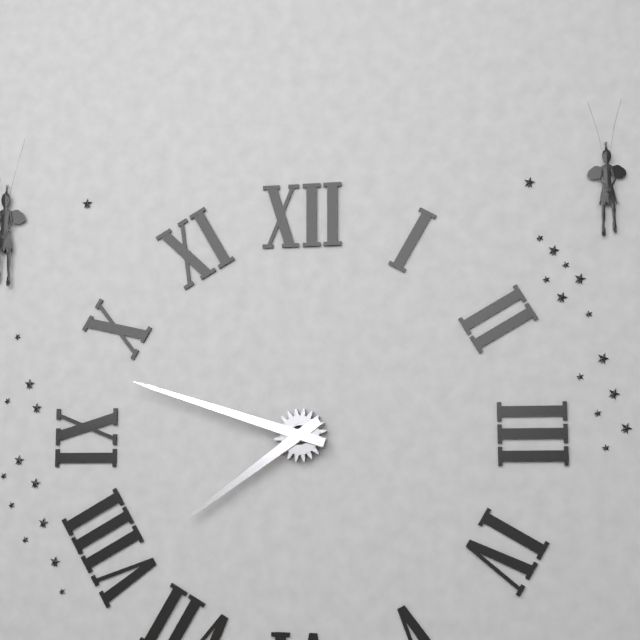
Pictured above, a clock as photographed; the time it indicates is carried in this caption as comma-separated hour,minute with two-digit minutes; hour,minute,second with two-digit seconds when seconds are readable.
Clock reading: 7,48
